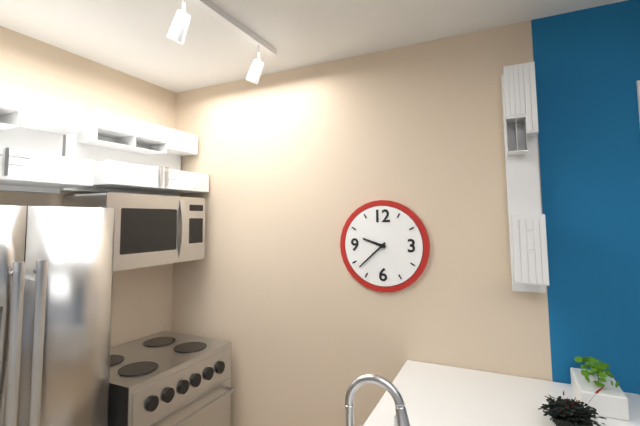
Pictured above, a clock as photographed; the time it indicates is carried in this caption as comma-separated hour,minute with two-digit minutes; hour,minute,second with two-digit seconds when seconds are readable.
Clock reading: 9,38
